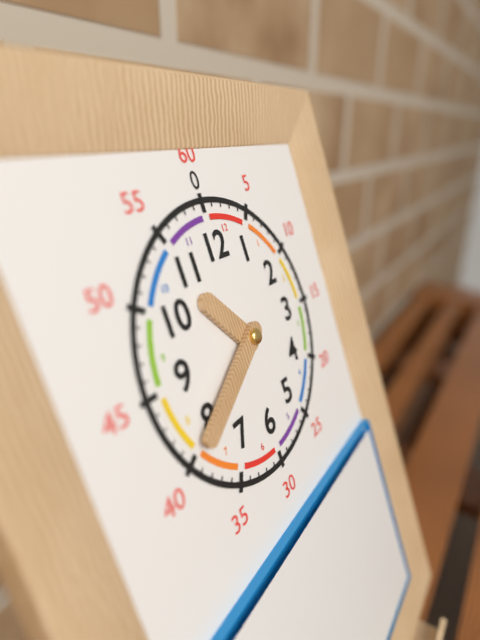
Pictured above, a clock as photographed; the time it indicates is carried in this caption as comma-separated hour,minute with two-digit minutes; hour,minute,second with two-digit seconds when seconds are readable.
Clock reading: 10,40
